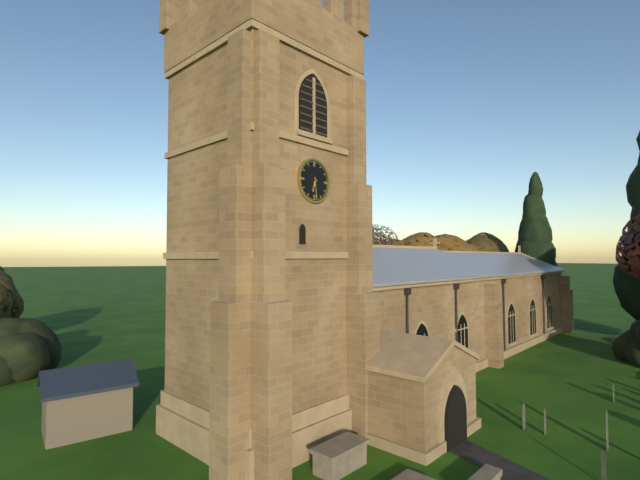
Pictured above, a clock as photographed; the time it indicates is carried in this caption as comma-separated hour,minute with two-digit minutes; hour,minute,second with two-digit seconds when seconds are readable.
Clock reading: 6,29
